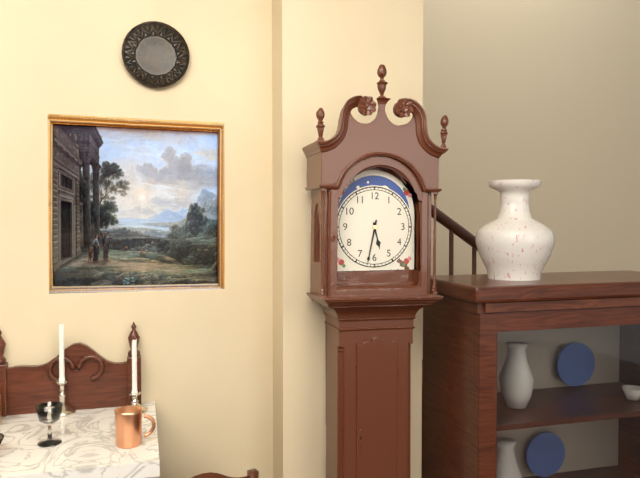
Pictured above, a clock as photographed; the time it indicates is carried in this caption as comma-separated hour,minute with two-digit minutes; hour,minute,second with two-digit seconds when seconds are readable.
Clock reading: 5,32
